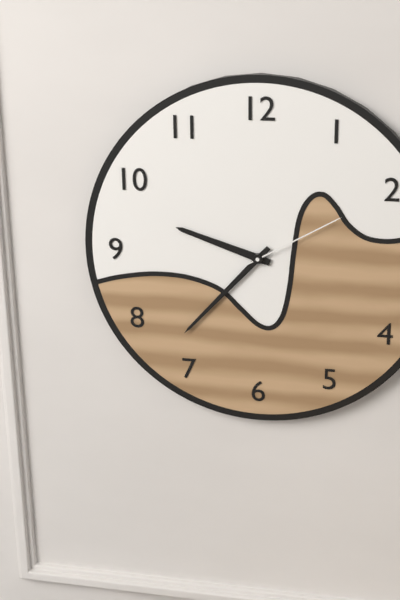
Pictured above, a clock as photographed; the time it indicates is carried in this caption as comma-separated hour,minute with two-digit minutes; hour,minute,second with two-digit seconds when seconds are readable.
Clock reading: 9,37,10
